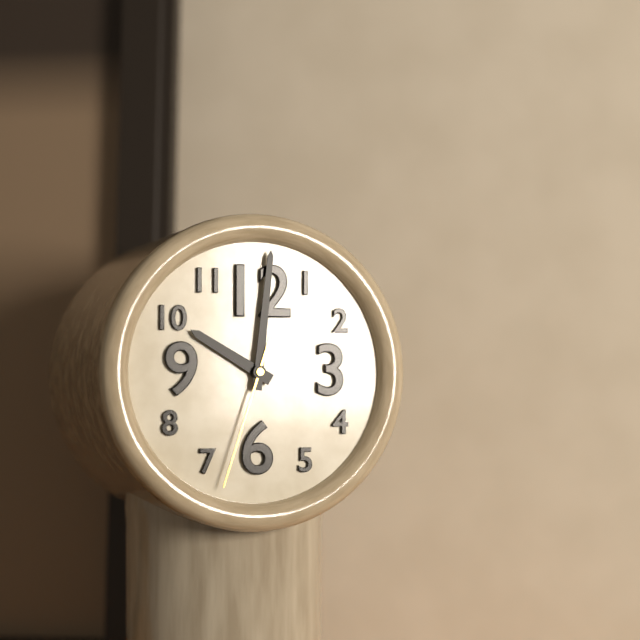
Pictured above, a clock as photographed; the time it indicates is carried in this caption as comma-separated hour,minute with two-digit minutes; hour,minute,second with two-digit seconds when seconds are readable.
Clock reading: 10,01,33
